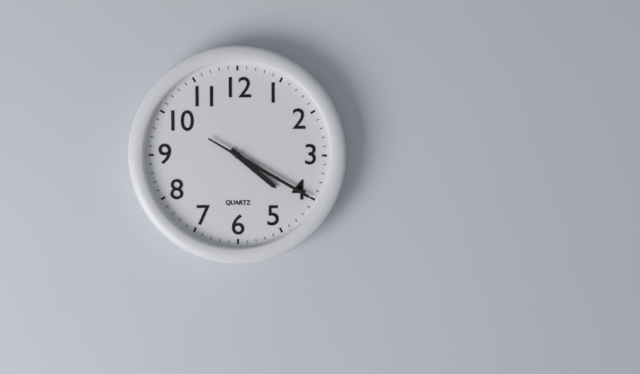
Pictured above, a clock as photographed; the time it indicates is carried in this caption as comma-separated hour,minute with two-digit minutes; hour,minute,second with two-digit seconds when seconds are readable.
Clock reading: 4,20
